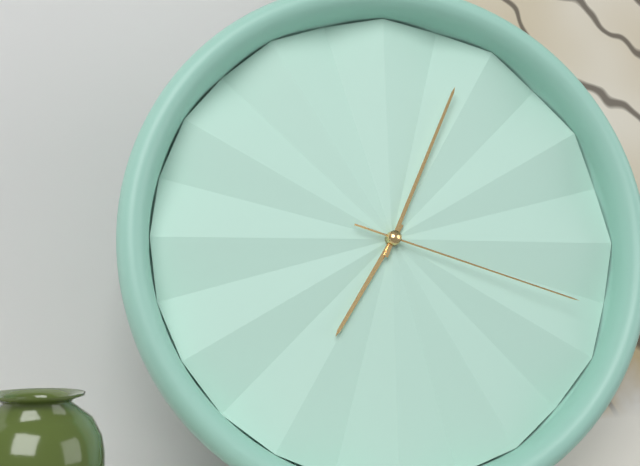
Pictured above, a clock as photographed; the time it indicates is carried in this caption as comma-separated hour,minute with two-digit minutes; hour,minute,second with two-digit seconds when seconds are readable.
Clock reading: 7,04,18
